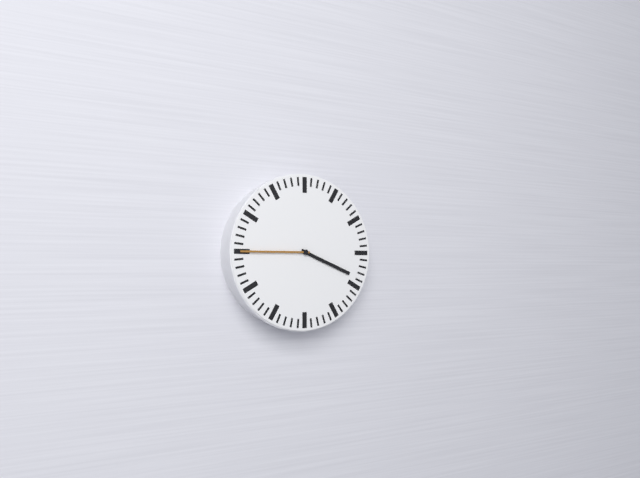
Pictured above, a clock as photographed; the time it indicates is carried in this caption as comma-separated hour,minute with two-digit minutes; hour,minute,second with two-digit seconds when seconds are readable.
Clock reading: 3,45
